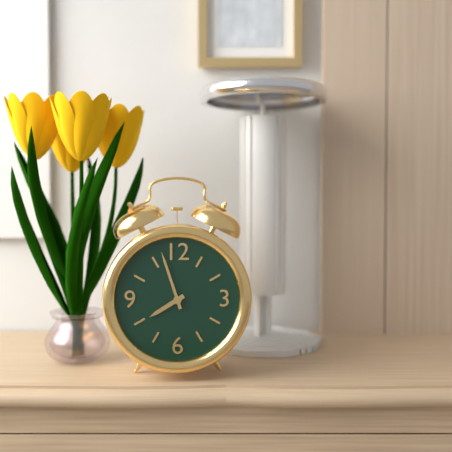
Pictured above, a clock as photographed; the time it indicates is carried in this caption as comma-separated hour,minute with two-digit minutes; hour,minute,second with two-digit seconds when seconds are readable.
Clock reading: 7,57
